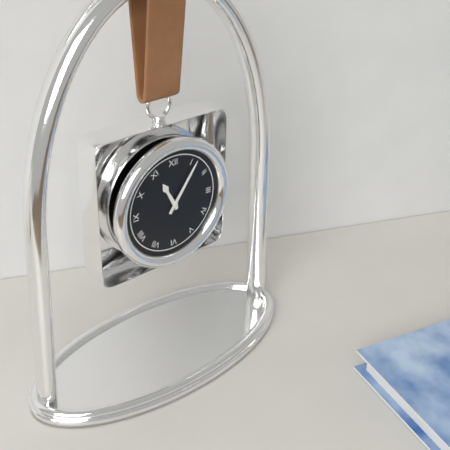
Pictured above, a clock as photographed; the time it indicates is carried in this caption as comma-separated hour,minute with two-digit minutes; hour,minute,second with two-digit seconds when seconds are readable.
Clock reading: 11,06
